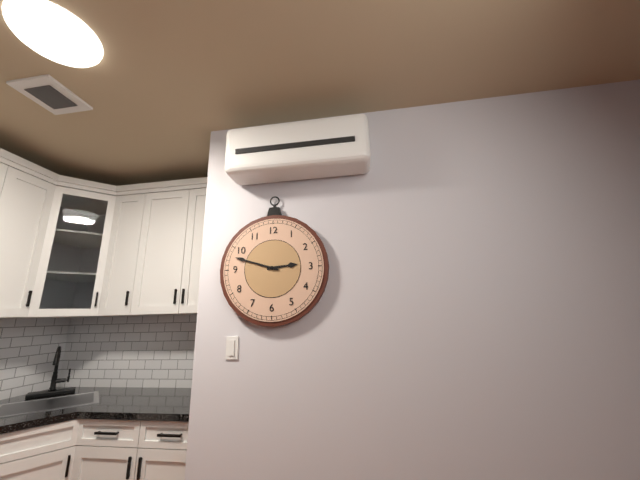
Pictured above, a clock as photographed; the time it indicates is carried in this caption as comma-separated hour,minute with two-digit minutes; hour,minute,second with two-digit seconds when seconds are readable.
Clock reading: 2,48
